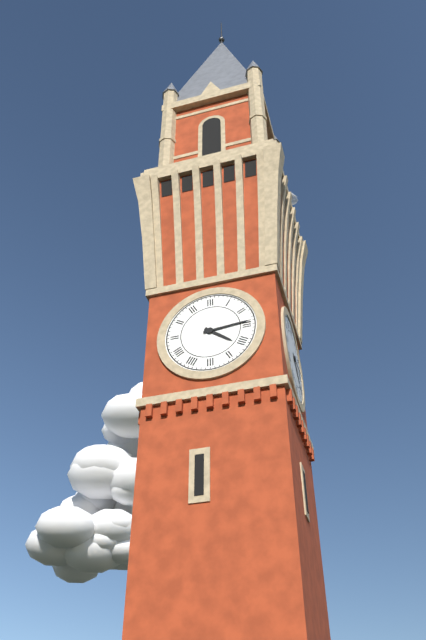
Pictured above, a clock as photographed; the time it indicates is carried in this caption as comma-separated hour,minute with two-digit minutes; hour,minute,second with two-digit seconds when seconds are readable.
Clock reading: 4,14
